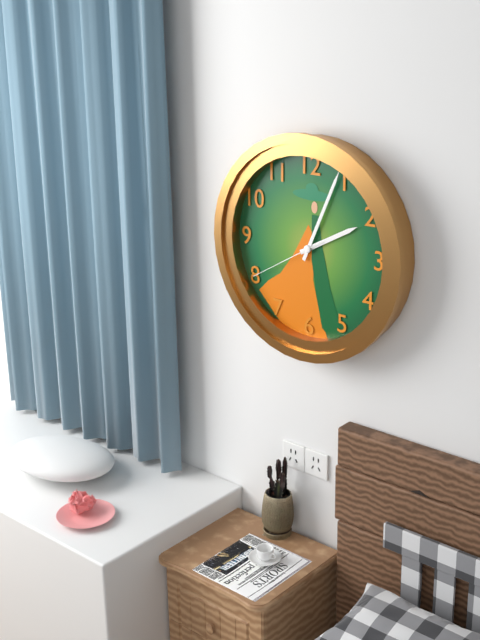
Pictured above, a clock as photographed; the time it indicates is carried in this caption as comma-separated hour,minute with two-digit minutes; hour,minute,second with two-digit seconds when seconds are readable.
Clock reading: 2,04,40
